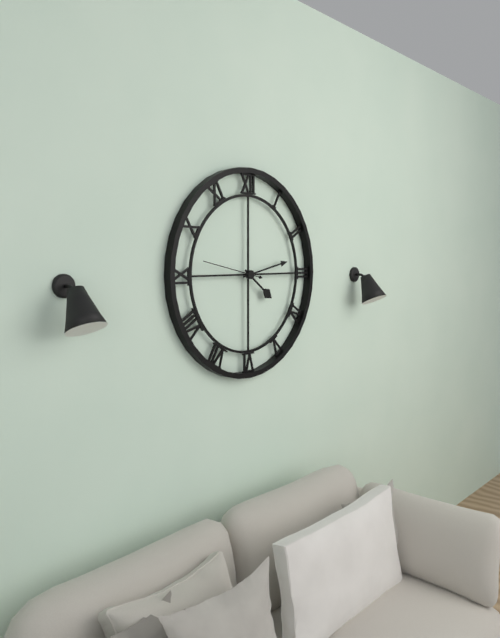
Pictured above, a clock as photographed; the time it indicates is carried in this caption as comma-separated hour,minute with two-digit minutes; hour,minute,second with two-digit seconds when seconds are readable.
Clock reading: 4,13,47
